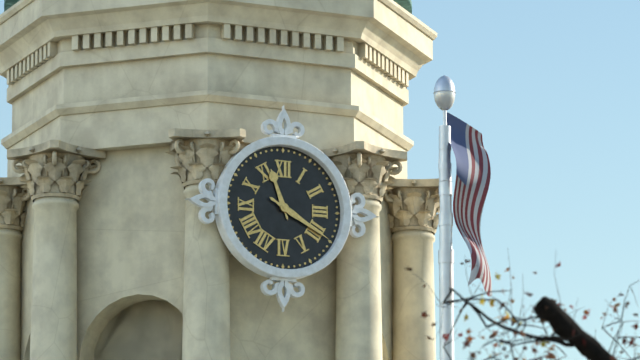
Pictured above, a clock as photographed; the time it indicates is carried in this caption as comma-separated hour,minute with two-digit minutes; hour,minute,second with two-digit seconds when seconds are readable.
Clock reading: 11,20
